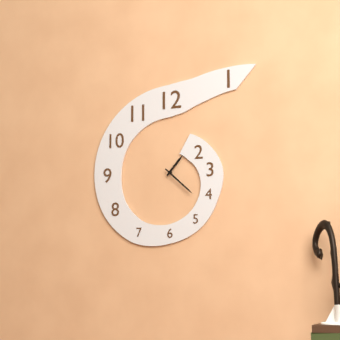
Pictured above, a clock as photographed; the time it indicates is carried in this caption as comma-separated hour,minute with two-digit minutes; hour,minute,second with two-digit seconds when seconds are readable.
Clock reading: 1,22
